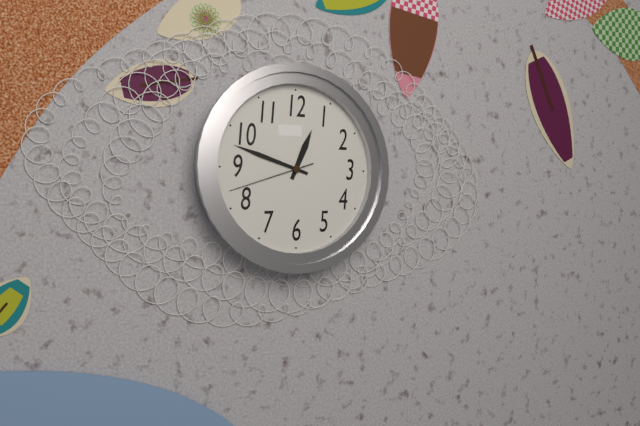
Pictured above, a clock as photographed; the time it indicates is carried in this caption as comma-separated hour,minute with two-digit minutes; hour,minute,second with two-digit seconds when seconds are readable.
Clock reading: 12,48,42
